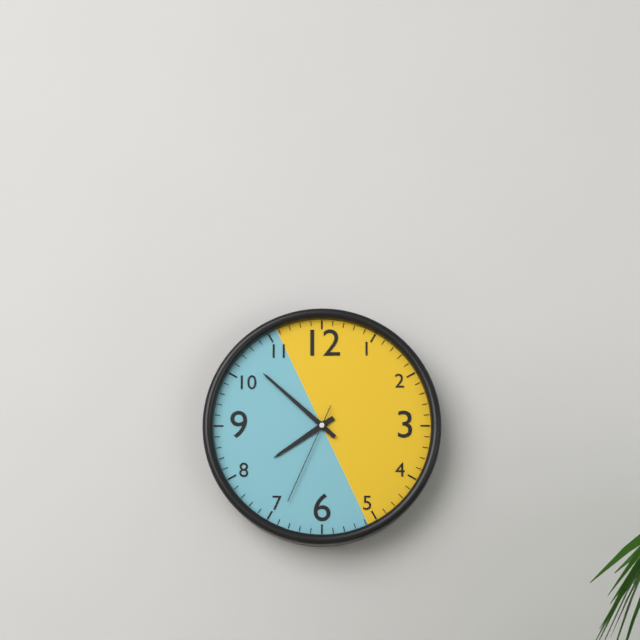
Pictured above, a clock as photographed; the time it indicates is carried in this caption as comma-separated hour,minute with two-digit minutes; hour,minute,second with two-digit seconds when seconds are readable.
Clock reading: 7,52,34
